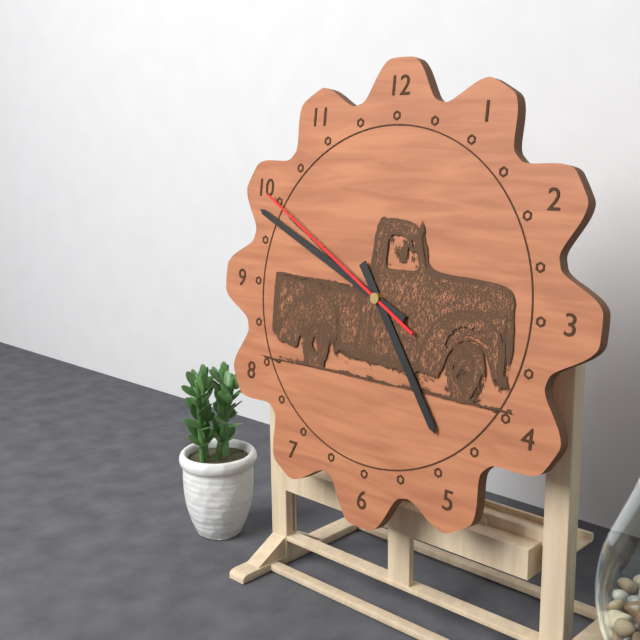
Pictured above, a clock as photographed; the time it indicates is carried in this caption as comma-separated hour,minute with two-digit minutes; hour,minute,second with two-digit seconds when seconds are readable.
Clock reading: 4,49,50
